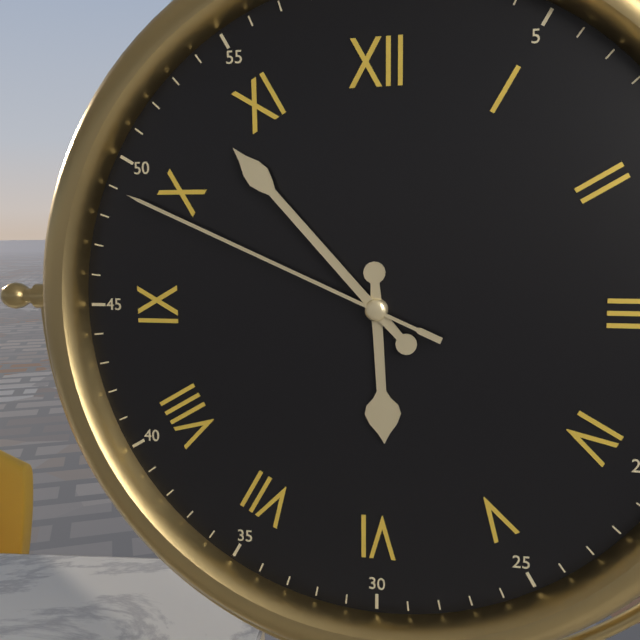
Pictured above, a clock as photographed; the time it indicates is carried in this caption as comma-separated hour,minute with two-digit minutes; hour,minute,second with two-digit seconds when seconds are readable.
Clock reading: 5,53,49
